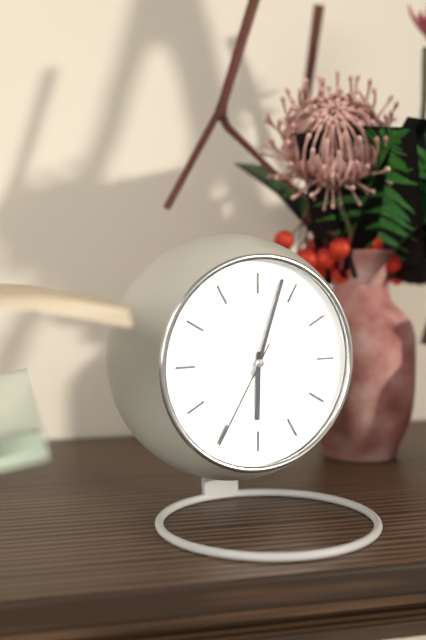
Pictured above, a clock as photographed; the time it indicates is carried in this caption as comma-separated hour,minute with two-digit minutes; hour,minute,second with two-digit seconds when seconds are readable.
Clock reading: 6,03,35
